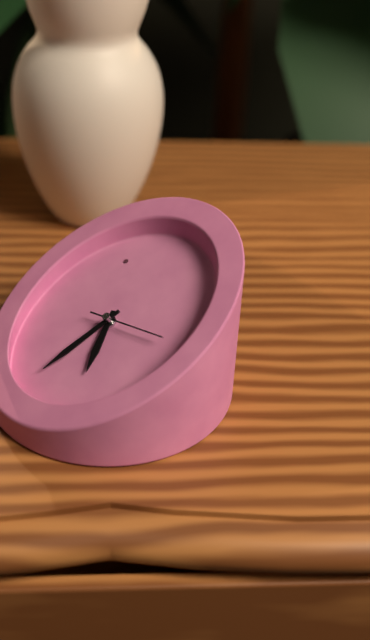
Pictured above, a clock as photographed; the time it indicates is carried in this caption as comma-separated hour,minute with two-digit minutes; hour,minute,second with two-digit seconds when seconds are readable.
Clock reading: 7,45,26
